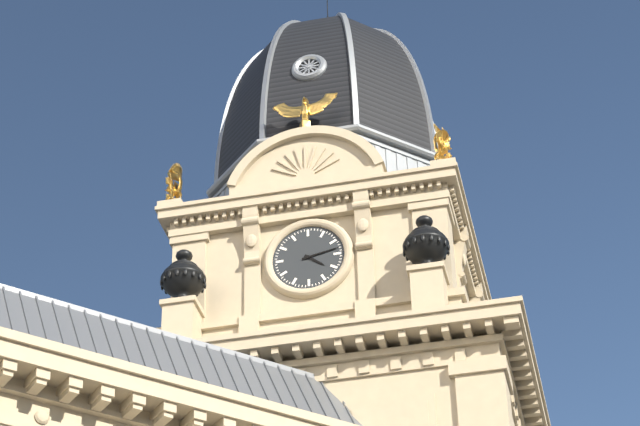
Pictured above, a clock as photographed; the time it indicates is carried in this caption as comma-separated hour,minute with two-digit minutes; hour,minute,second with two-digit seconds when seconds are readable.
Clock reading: 4,13
